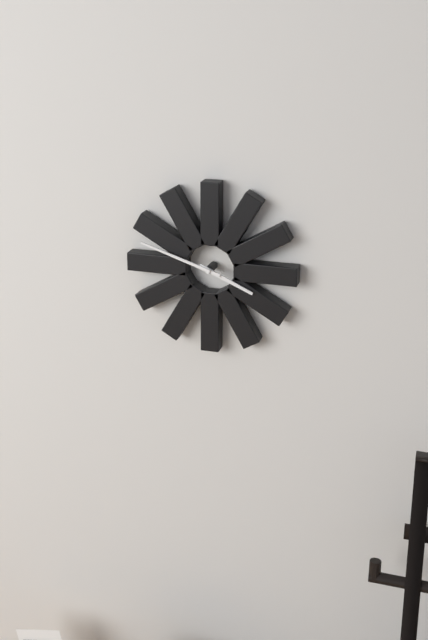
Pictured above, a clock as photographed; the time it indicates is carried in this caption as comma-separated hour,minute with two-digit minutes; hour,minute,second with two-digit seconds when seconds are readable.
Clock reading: 3,48
